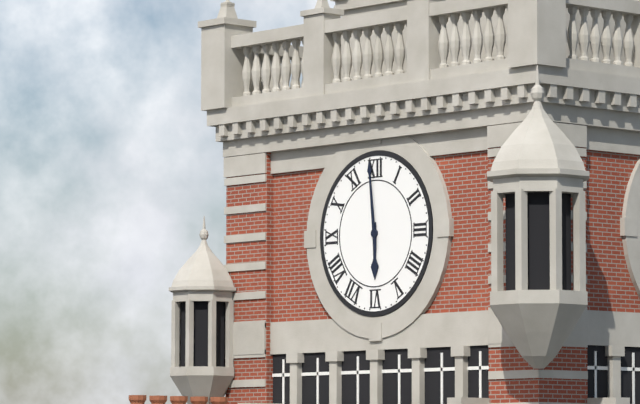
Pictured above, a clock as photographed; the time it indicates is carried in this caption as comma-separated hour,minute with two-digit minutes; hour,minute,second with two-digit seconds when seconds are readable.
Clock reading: 5,59
